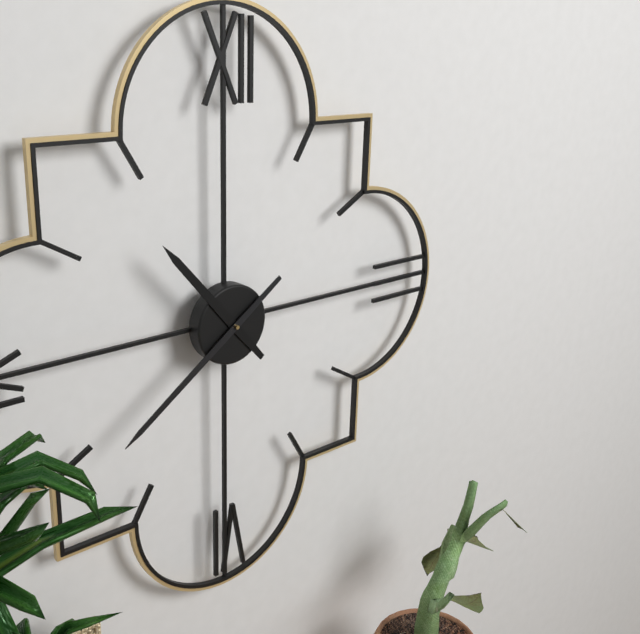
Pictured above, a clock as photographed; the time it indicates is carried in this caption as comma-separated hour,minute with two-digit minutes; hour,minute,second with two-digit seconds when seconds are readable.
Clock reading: 10,39
